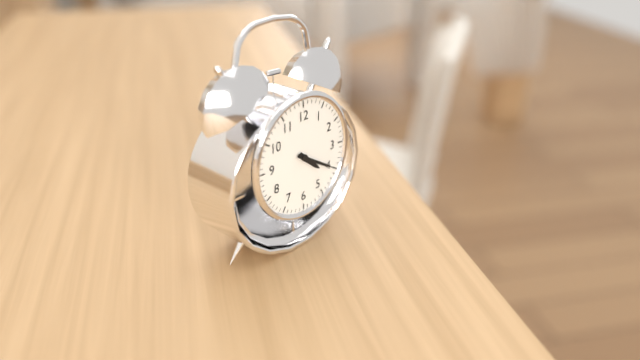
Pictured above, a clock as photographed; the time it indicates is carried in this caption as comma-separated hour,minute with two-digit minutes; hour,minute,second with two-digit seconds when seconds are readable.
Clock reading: 4,20
